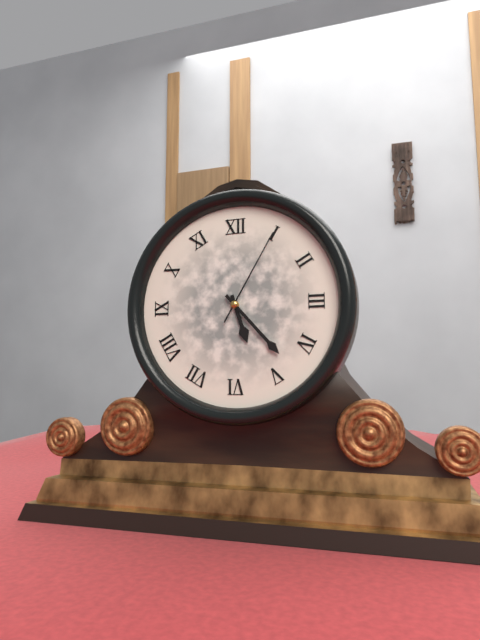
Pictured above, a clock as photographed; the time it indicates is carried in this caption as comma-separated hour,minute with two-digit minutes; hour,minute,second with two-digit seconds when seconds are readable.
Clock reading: 5,23,05
